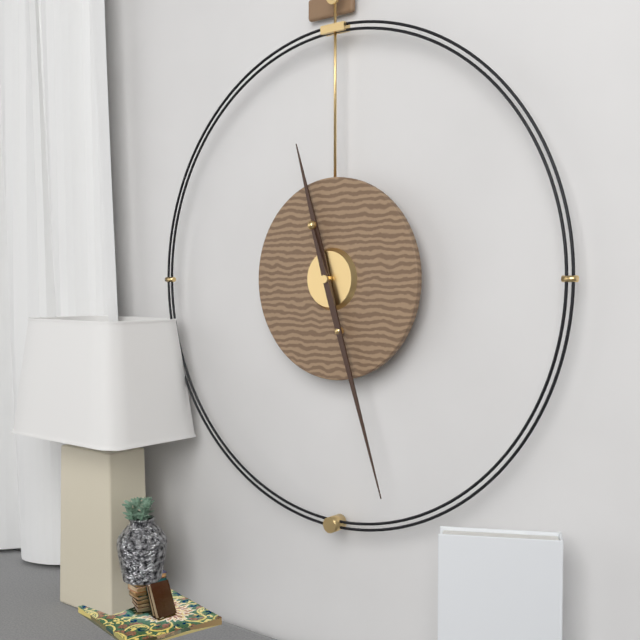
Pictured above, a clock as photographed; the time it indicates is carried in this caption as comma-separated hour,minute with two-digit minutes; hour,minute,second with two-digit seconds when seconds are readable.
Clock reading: 11,27
